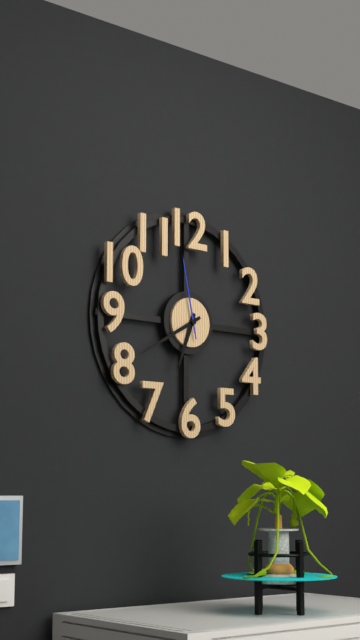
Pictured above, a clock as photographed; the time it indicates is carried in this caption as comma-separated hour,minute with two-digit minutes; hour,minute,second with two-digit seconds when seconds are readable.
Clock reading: 6,40,58
